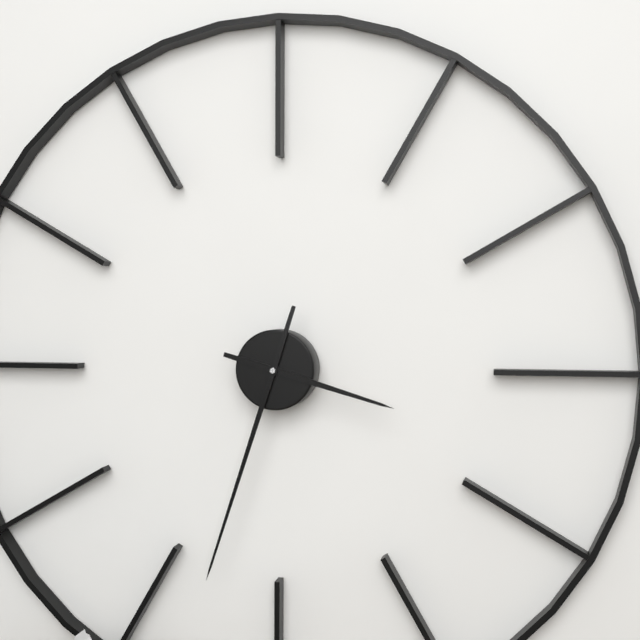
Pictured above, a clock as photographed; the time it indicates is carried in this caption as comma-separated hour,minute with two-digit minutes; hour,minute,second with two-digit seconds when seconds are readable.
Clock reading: 3,33
